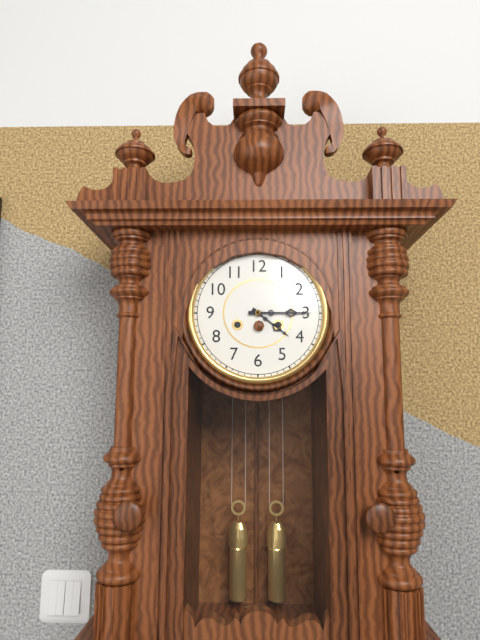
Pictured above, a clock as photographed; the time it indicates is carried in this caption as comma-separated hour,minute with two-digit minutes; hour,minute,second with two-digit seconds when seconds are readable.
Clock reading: 4,15
